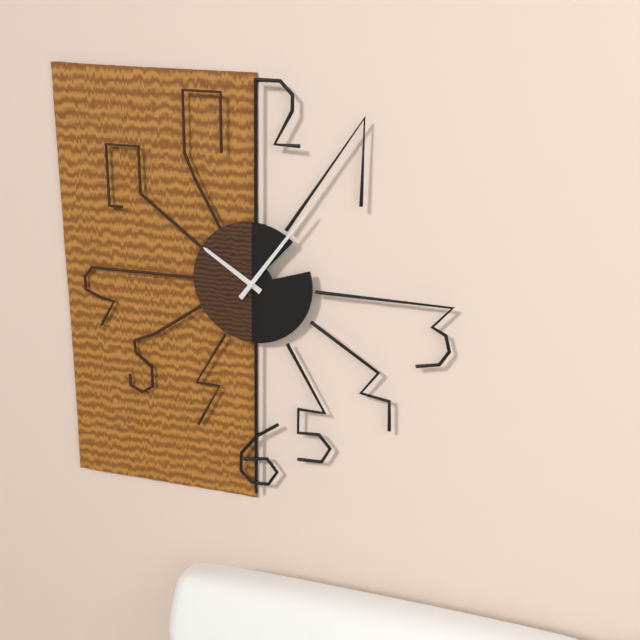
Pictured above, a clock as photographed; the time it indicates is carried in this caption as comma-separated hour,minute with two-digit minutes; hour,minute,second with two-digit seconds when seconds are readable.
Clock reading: 10,06
